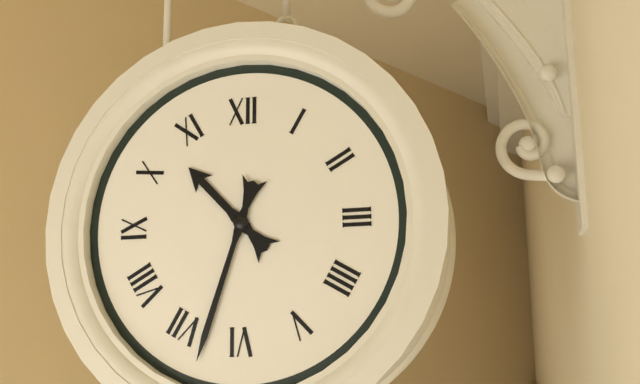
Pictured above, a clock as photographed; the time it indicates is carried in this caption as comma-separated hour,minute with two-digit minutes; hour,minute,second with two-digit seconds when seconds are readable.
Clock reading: 10,33
